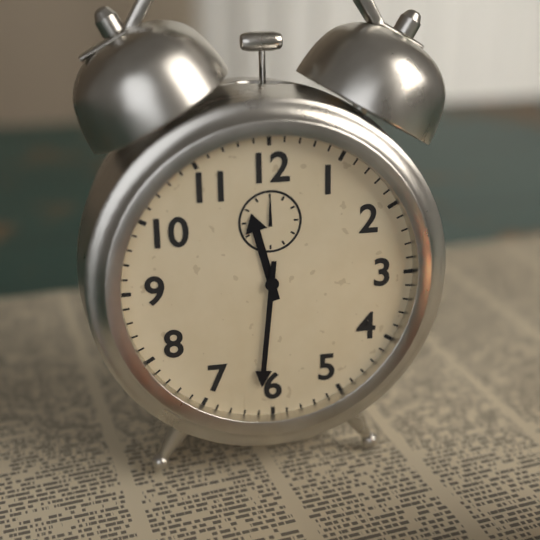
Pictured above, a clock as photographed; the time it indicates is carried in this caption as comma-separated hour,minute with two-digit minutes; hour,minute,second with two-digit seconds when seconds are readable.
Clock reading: 11,31
